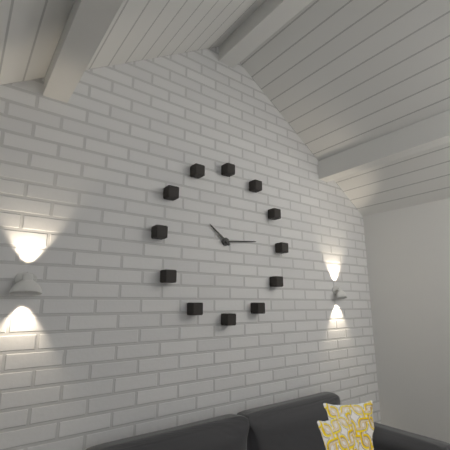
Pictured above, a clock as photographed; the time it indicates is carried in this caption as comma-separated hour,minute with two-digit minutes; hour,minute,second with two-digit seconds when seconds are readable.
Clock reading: 10,14
